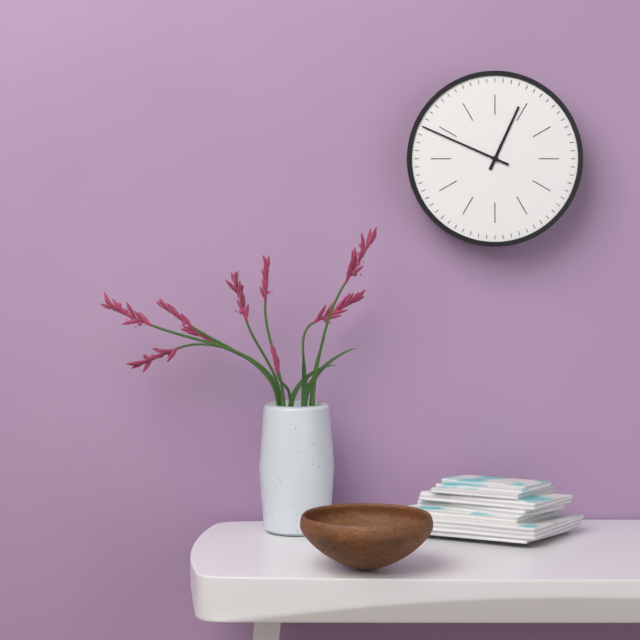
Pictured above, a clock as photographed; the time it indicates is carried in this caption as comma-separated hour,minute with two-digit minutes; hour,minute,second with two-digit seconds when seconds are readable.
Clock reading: 12,49
